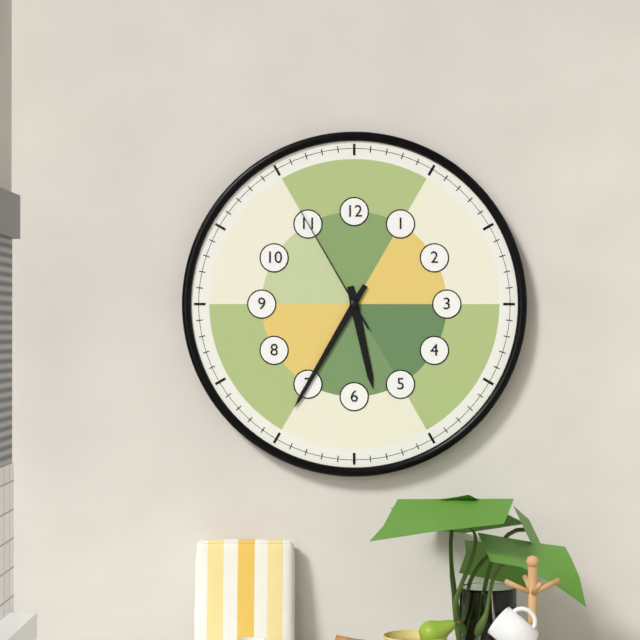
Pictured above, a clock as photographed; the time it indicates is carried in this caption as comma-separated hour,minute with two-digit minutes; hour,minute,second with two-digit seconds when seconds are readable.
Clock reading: 5,35,55
